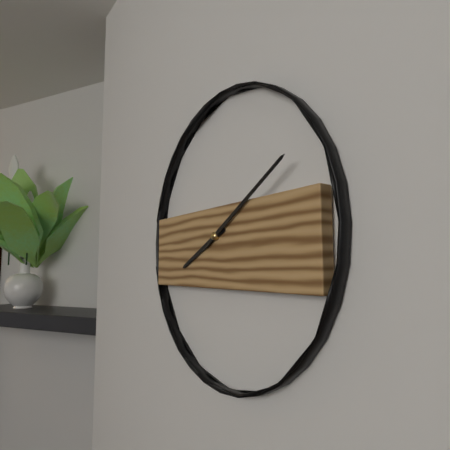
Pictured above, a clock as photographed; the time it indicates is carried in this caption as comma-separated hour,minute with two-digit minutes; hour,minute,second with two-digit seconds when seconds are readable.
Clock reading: 8,10
